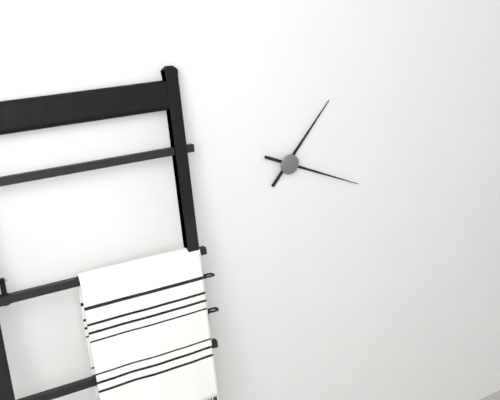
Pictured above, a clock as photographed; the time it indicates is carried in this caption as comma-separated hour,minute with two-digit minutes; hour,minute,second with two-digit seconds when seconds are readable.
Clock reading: 1,19
